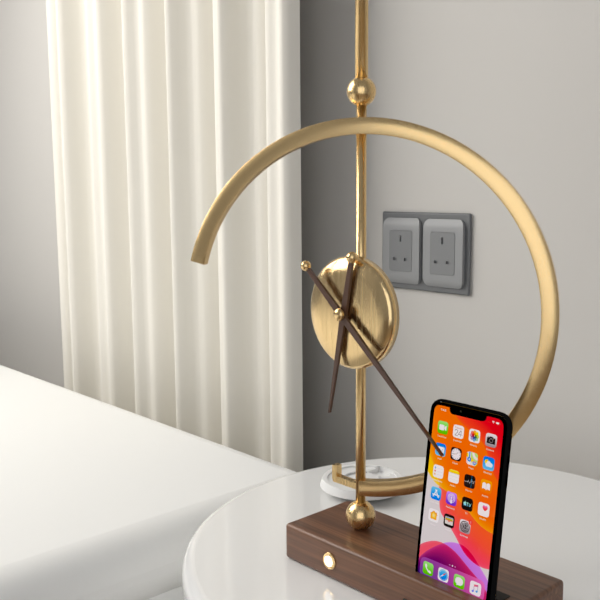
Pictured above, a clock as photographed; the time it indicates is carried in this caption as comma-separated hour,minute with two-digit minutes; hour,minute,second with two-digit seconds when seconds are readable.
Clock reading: 6,22
